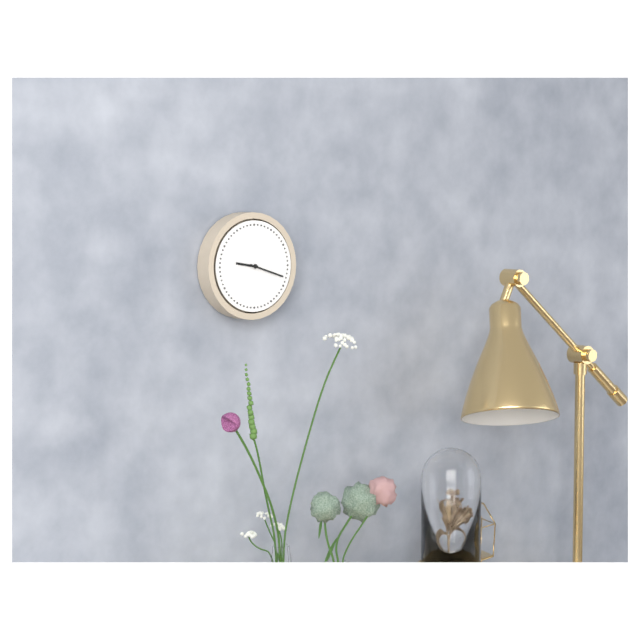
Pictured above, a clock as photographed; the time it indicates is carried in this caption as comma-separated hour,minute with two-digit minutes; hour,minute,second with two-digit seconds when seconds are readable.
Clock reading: 9,18
